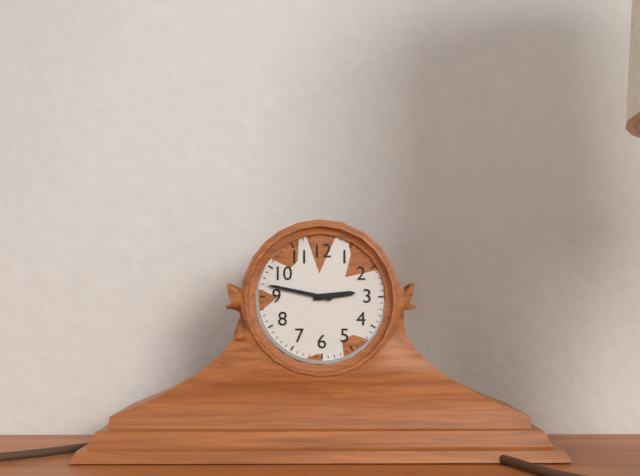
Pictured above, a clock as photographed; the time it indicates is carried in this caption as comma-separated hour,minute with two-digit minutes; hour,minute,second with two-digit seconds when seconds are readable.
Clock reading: 2,47
